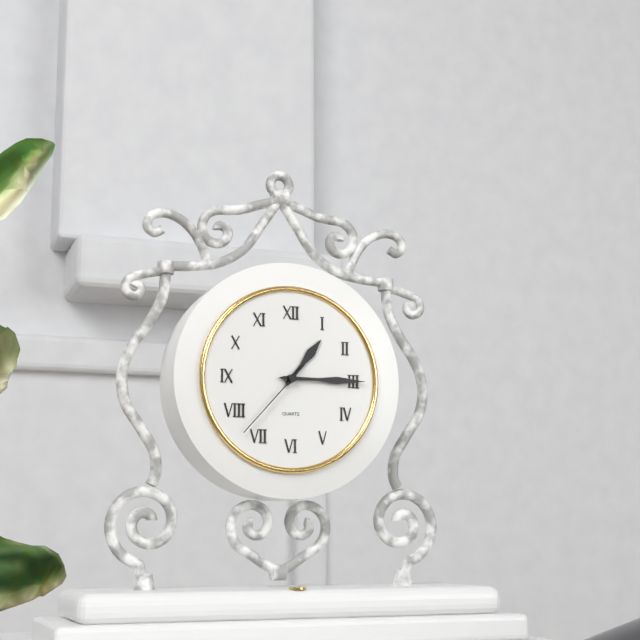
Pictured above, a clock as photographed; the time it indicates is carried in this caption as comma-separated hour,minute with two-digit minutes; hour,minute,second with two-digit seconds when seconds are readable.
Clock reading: 1,15,37
